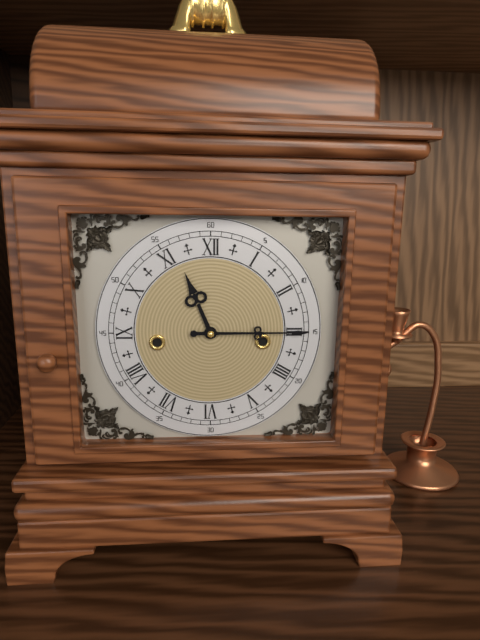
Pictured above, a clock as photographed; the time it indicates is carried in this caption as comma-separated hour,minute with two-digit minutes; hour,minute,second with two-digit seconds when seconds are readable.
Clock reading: 11,15
